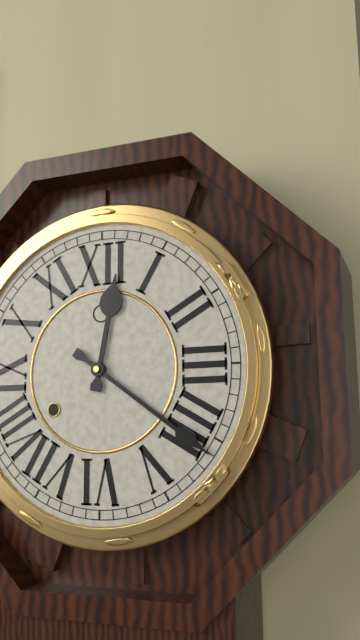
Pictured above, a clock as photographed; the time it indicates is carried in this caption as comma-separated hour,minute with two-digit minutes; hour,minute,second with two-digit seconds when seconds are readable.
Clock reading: 12,21
